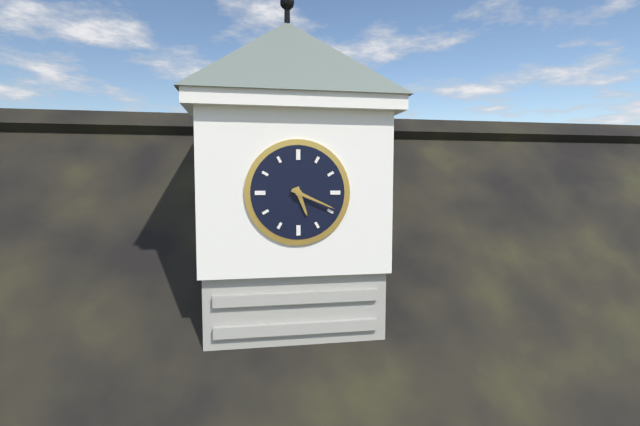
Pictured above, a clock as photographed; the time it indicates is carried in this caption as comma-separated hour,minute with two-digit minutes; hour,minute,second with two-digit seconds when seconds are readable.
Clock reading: 5,19
